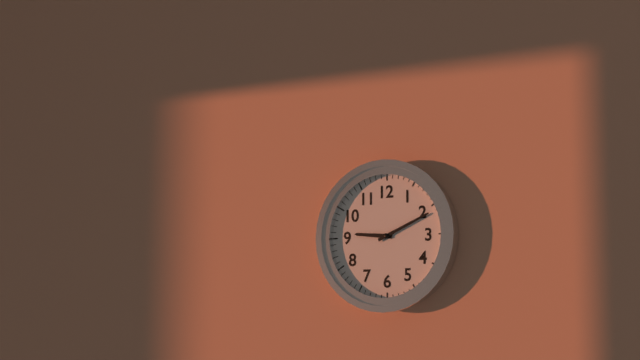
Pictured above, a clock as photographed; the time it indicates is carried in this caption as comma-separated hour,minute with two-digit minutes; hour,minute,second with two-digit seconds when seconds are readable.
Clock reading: 9,11
